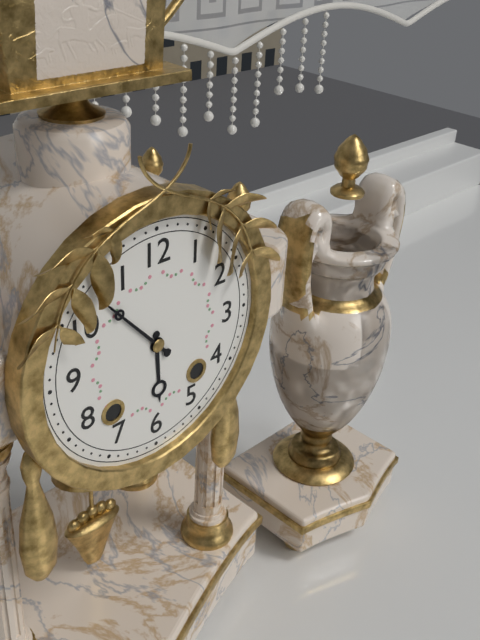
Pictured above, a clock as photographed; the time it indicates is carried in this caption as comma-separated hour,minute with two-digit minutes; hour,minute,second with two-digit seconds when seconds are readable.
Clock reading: 5,53
